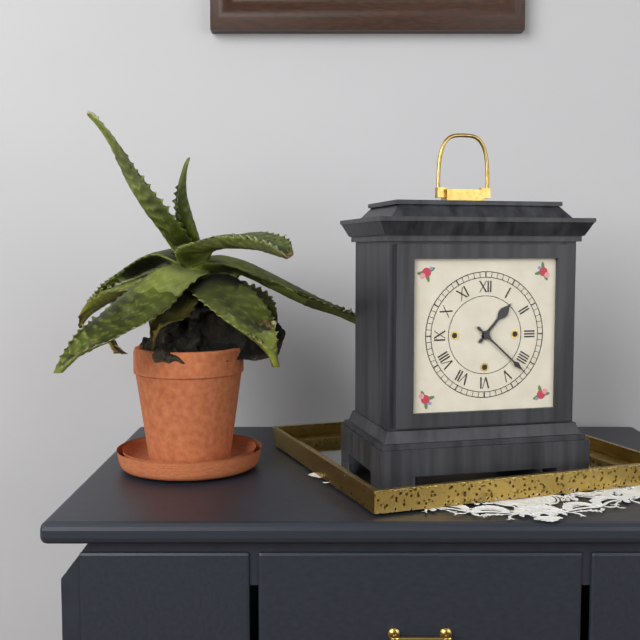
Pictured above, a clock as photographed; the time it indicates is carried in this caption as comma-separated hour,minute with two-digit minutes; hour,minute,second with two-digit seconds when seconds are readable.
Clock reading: 1,22
